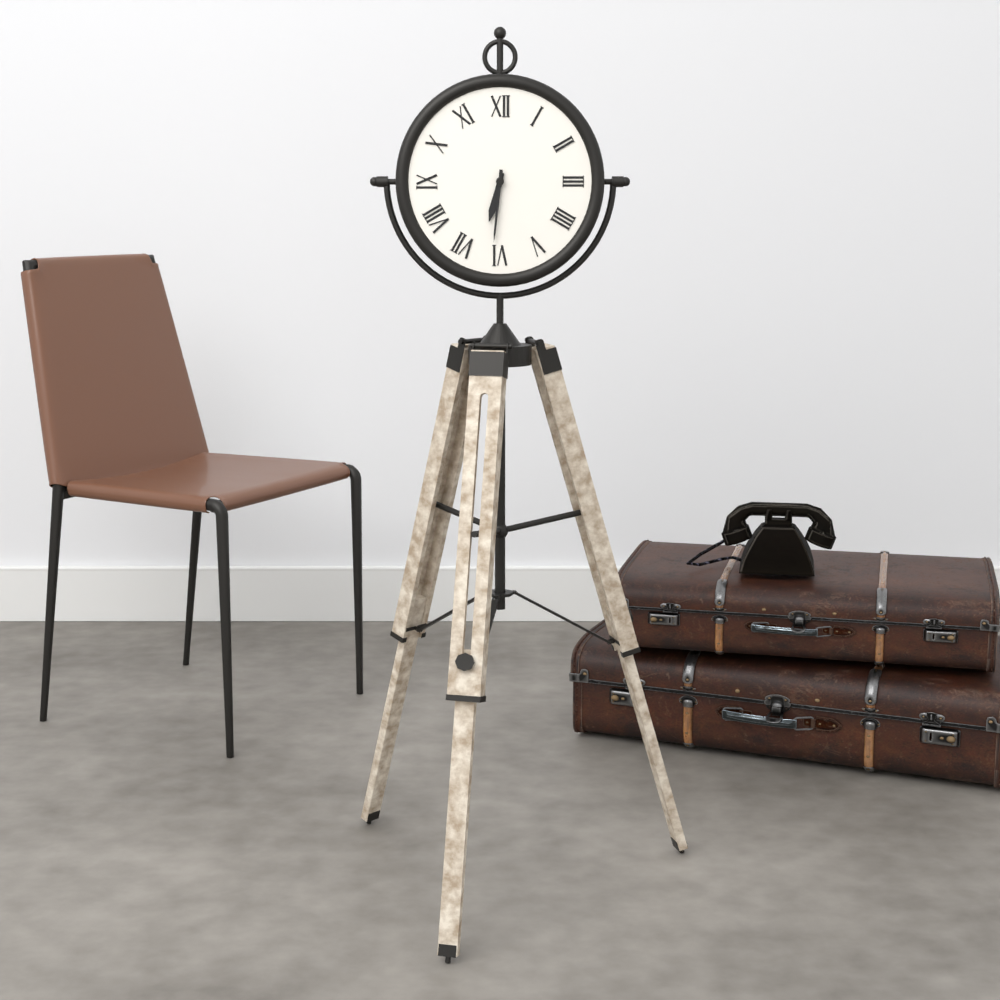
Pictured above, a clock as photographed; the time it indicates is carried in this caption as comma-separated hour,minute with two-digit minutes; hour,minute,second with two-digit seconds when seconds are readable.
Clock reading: 6,31
